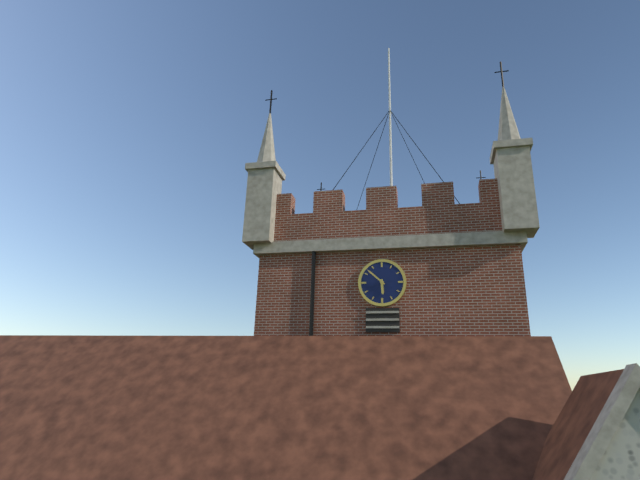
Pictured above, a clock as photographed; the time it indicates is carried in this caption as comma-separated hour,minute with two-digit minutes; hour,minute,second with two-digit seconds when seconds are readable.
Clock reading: 5,52
